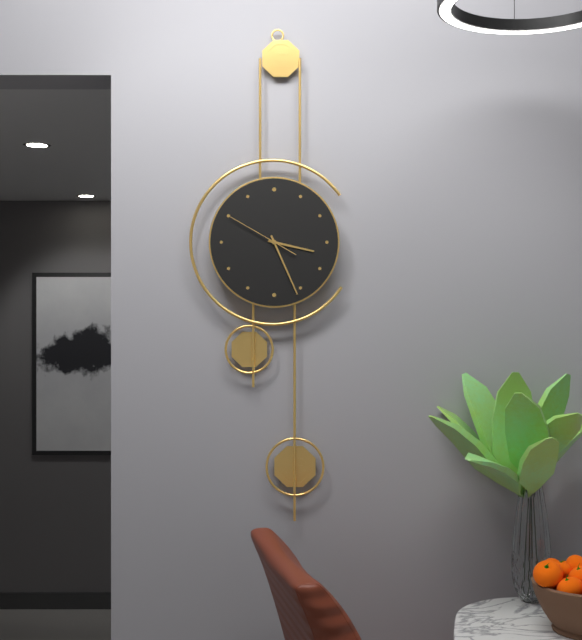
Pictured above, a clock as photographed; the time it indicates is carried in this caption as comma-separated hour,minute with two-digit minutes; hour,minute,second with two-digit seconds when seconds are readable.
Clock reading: 3,26,50
